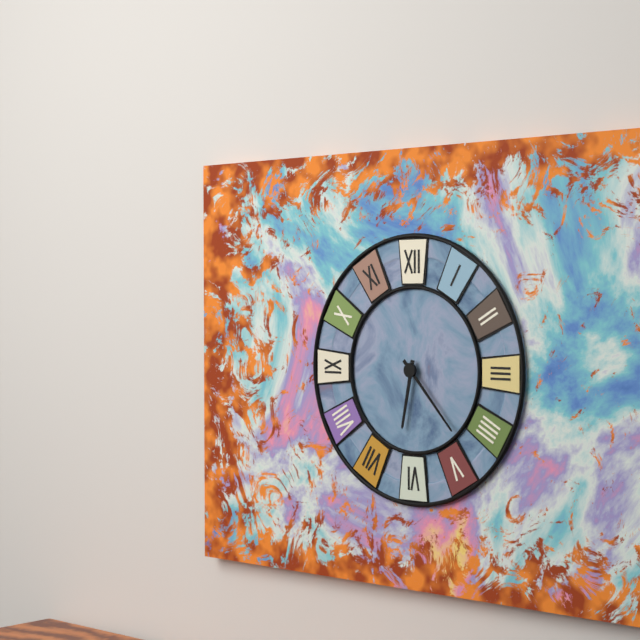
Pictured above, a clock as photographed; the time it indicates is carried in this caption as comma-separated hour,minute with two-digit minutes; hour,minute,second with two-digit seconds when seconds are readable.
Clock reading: 6,23
